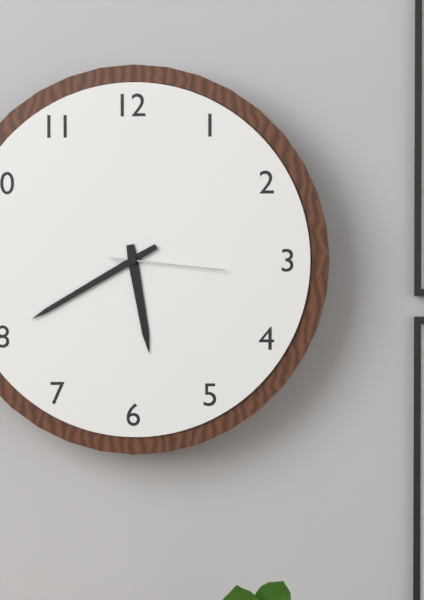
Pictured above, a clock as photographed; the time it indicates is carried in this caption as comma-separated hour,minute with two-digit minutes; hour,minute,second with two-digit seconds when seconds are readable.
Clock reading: 5,40,16
